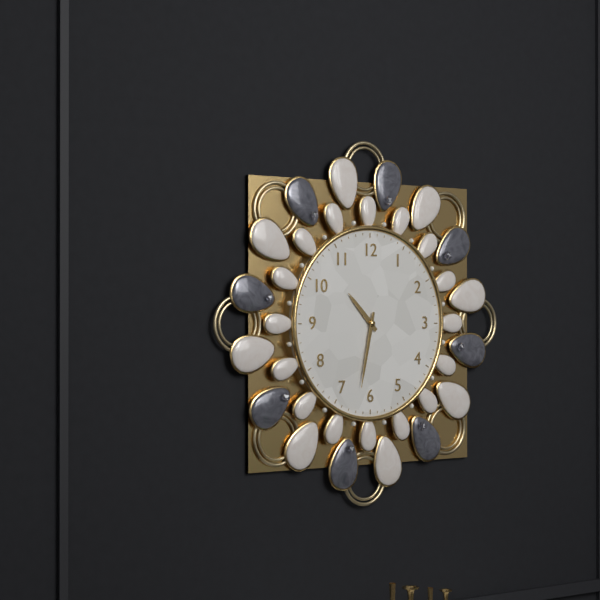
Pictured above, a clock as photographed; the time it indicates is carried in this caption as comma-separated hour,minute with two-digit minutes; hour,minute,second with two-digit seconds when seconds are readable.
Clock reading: 10,32
